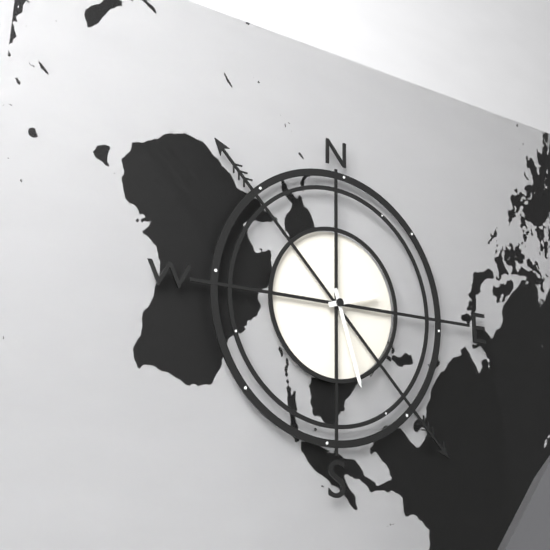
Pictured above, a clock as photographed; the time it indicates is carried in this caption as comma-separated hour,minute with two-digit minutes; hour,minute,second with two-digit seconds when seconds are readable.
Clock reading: 2,27
